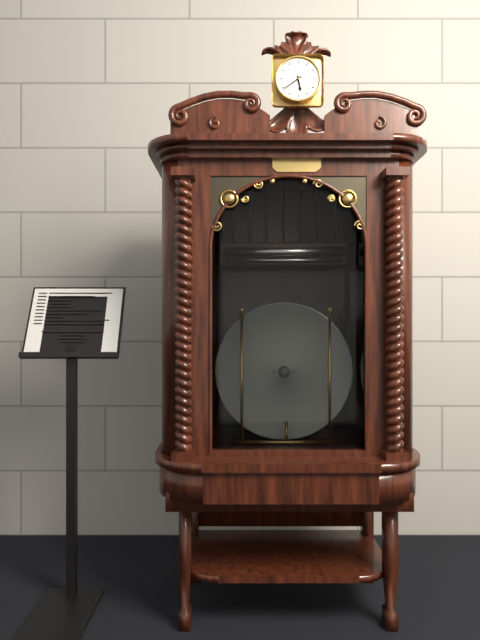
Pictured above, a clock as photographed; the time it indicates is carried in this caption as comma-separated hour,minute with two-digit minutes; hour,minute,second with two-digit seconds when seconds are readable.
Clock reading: 5,39
